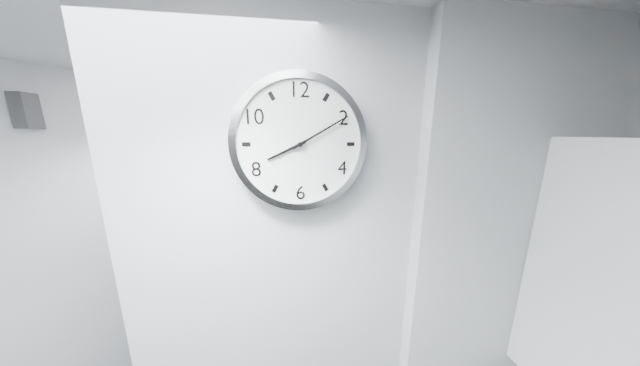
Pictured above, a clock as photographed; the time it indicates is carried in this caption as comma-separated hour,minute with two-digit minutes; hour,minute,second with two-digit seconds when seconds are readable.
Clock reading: 8,10
